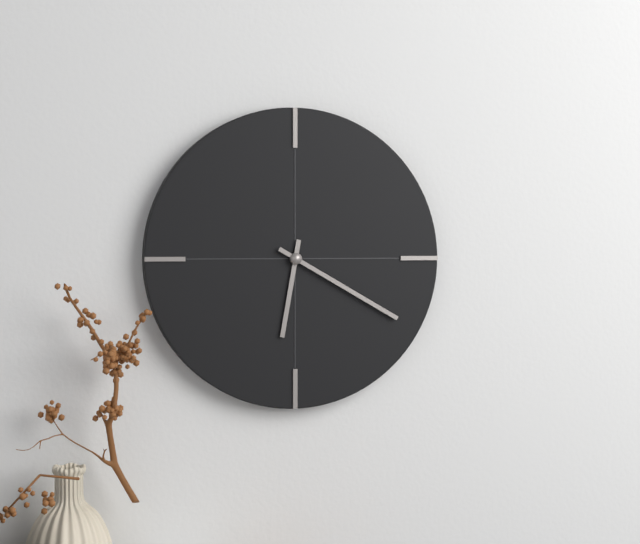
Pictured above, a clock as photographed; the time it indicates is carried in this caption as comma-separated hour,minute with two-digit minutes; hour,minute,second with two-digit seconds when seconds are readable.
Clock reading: 6,20
